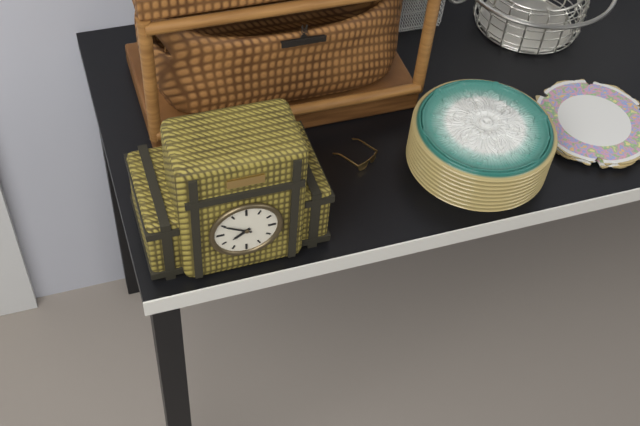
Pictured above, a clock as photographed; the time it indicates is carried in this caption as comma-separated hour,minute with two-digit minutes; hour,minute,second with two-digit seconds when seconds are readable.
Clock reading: 7,50
